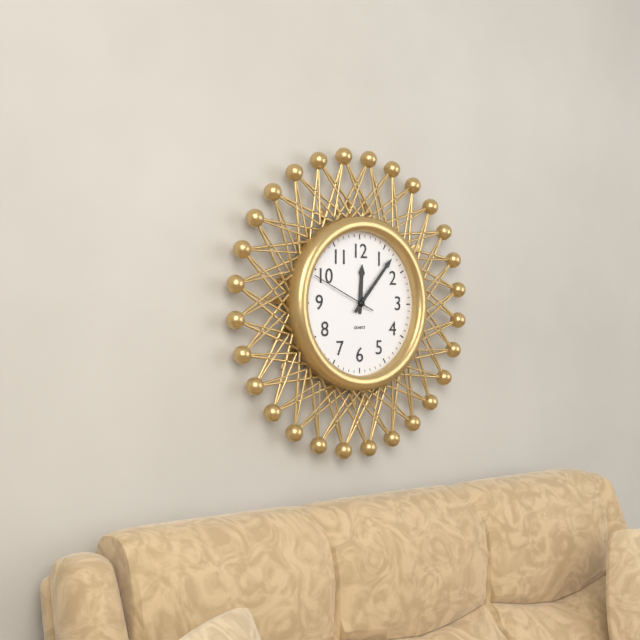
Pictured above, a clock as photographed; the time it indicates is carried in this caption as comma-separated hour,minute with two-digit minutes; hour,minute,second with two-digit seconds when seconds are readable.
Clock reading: 12,07,49
